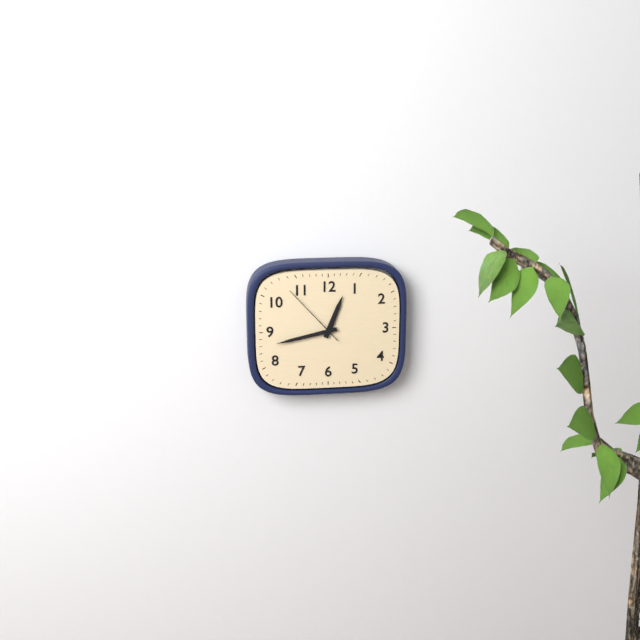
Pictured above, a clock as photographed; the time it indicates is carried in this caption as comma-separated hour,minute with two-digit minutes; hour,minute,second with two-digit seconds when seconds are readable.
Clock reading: 12,43,53
